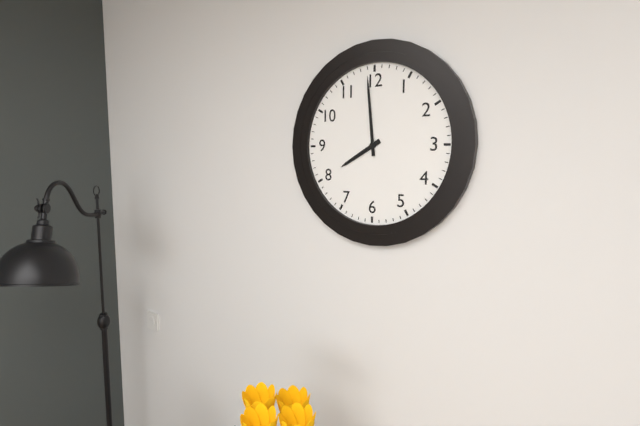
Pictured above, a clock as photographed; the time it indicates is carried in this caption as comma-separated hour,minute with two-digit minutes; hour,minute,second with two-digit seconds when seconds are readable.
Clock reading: 7,59
